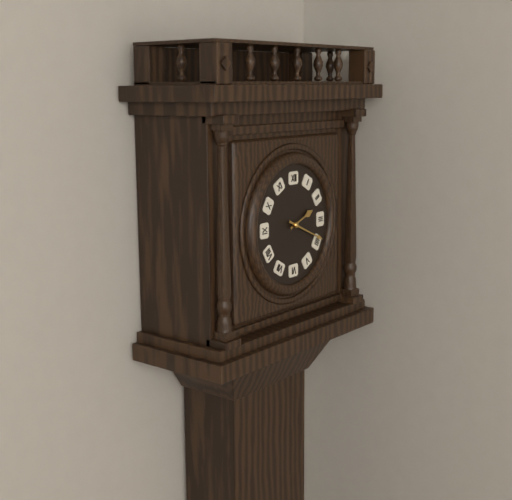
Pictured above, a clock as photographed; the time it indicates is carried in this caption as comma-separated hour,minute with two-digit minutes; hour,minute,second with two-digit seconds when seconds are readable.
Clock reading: 2,19
